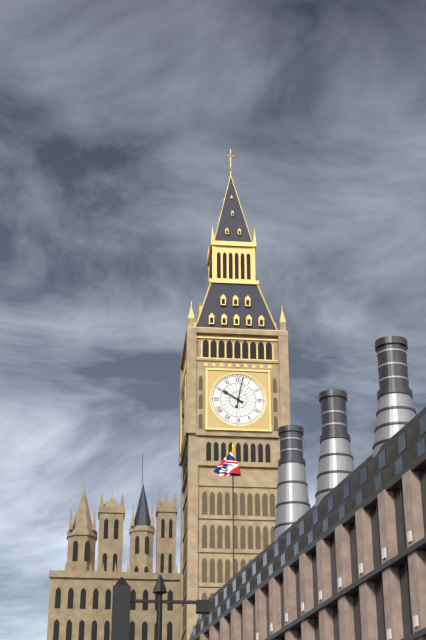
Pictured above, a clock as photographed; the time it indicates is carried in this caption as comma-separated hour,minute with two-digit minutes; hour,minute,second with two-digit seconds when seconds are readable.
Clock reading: 10,02
